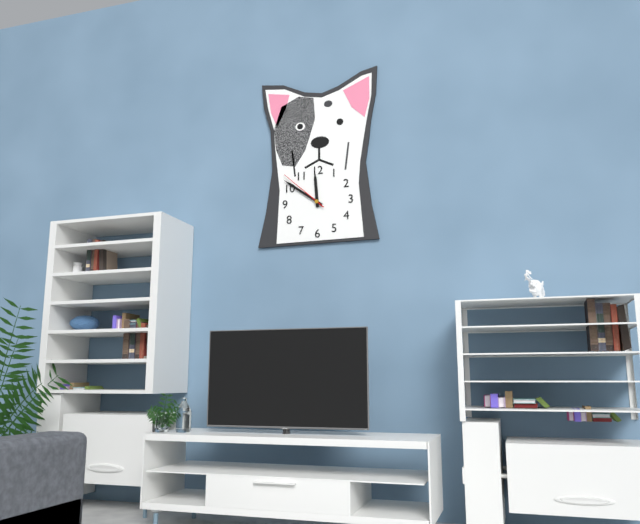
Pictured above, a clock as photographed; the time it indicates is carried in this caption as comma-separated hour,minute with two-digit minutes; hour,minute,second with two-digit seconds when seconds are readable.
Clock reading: 11,51,52
